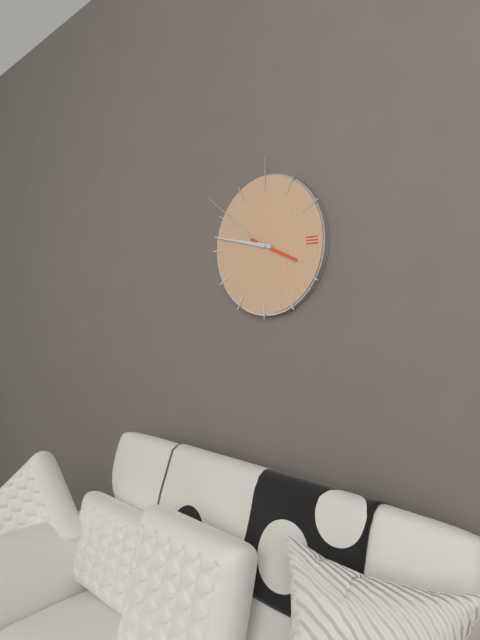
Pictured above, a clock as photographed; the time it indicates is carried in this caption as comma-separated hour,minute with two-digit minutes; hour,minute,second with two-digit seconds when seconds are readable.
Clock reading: 3,47,51
